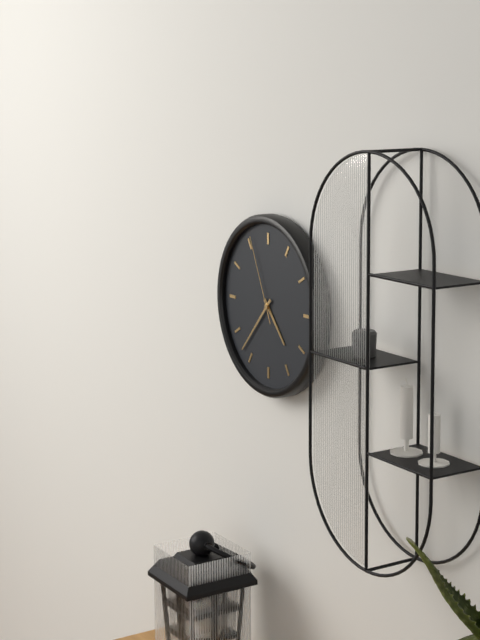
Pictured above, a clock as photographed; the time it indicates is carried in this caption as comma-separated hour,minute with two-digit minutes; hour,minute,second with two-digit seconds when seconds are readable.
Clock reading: 4,37,56
